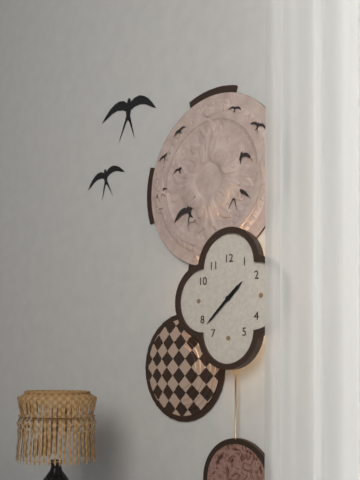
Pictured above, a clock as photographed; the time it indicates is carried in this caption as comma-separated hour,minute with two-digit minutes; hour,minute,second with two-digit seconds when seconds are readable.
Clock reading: 1,38
